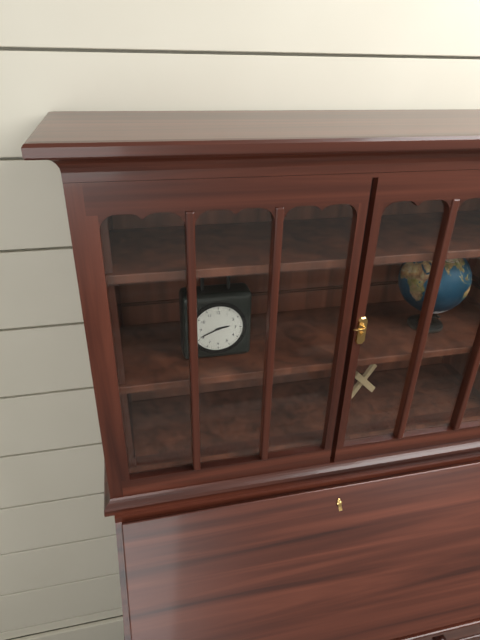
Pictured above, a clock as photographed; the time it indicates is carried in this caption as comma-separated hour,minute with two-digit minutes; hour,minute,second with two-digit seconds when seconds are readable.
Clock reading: 2,41
